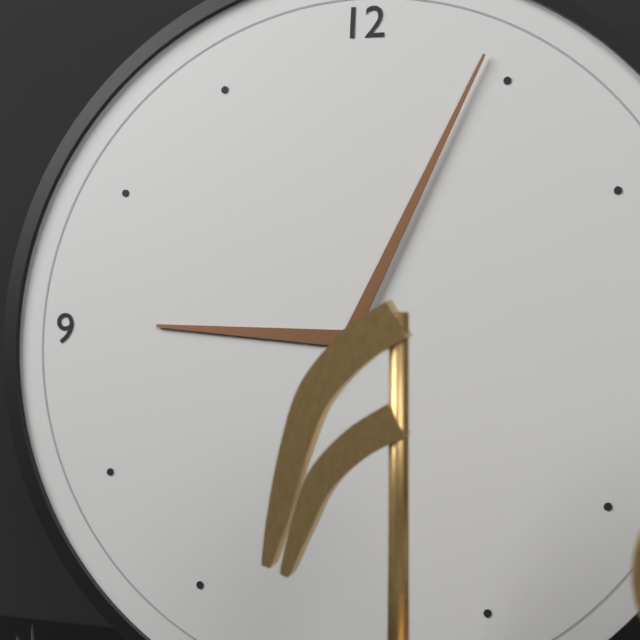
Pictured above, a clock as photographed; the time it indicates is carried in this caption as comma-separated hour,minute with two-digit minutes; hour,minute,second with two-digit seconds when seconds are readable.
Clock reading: 9,04
